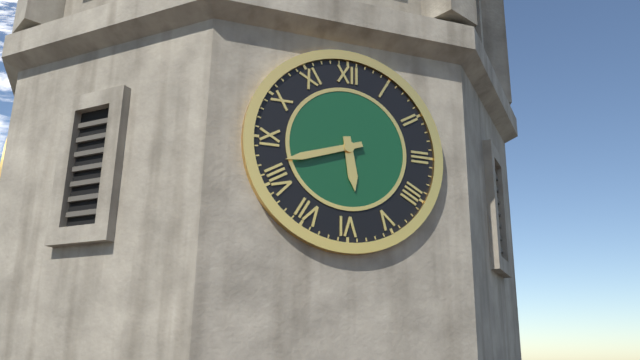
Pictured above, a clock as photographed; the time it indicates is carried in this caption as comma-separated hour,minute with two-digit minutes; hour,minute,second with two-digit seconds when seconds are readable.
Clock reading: 5,42
